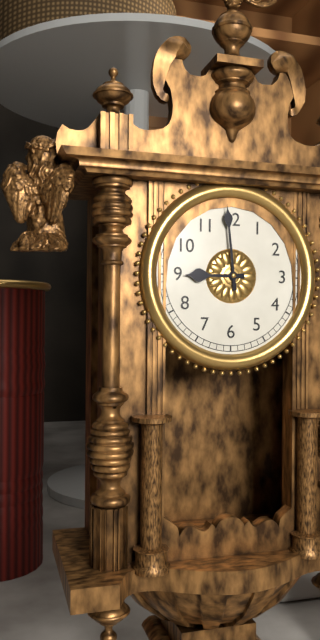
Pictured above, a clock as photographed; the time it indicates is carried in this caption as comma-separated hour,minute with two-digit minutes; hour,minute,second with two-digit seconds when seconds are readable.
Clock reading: 8,59
